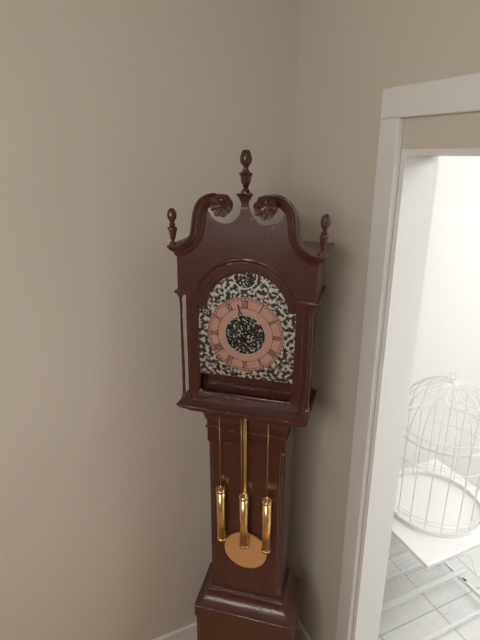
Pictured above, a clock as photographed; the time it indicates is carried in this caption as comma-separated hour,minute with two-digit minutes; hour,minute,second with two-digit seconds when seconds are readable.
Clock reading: 7,58
